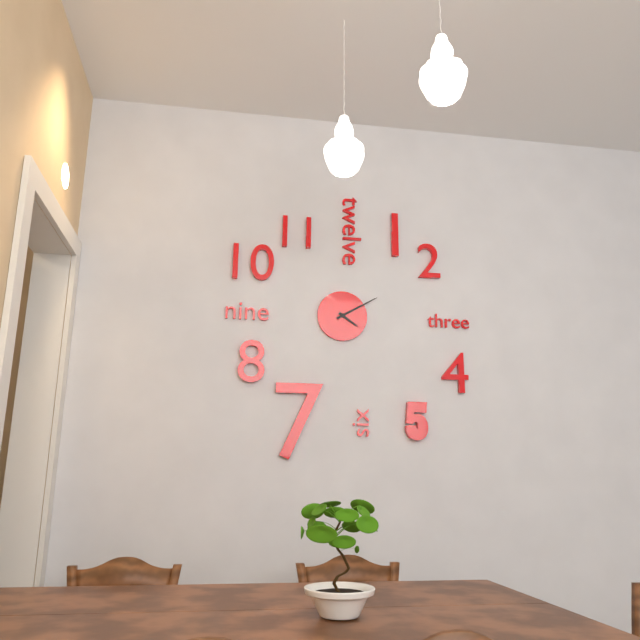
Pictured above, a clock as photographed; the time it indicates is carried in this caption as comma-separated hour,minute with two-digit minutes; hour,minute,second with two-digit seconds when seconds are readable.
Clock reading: 4,10
